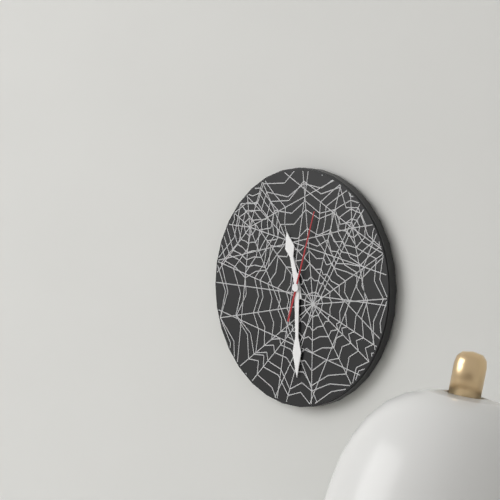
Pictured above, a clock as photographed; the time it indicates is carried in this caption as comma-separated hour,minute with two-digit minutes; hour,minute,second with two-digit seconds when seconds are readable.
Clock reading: 11,30,03
